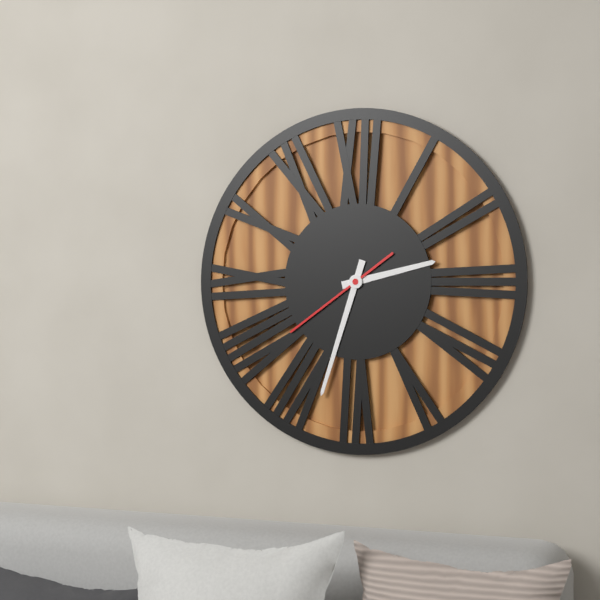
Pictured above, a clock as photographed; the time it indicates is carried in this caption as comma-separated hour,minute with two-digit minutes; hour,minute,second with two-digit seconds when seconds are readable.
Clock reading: 2,33,39
